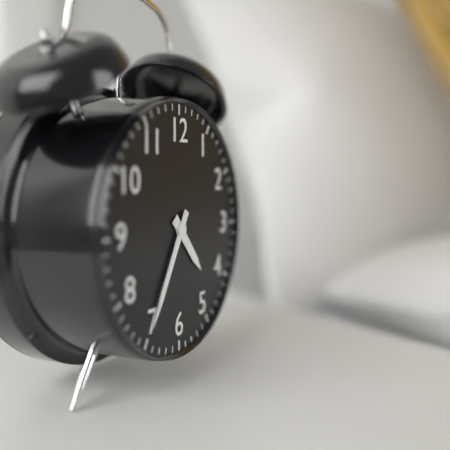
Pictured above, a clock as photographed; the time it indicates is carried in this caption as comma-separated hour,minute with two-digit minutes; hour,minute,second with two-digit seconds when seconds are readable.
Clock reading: 4,35
